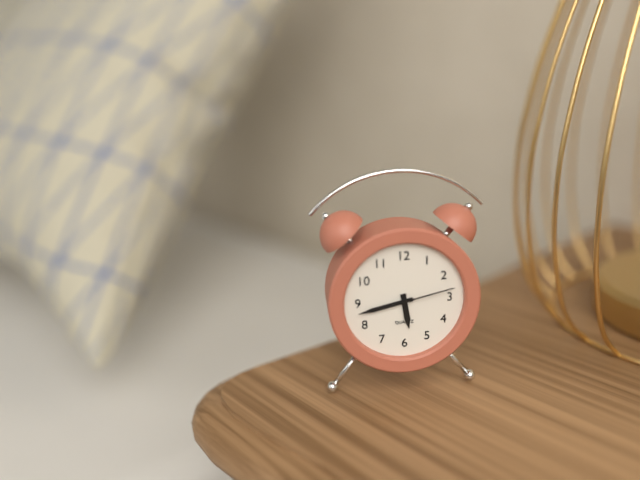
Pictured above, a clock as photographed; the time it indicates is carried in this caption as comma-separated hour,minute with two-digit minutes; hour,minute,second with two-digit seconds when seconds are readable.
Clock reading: 5,43,13
